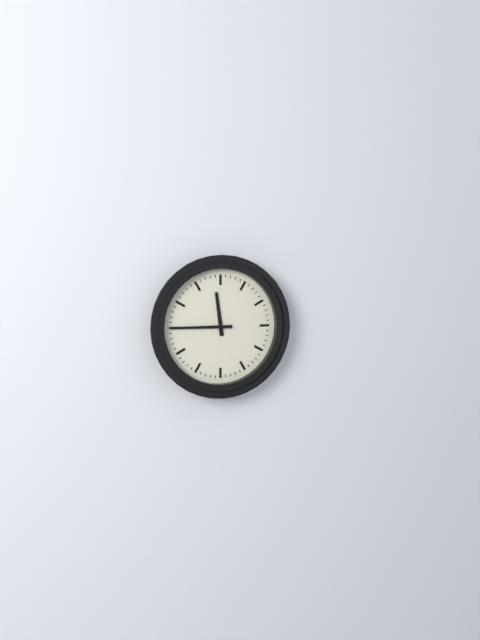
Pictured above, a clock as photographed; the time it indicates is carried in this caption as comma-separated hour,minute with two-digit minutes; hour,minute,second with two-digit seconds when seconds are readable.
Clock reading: 11,45
